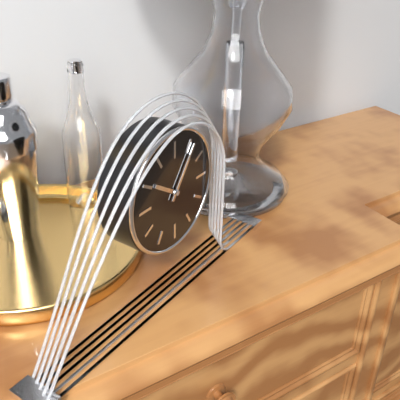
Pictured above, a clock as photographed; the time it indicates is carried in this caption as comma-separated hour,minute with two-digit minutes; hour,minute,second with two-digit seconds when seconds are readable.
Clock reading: 10,06
